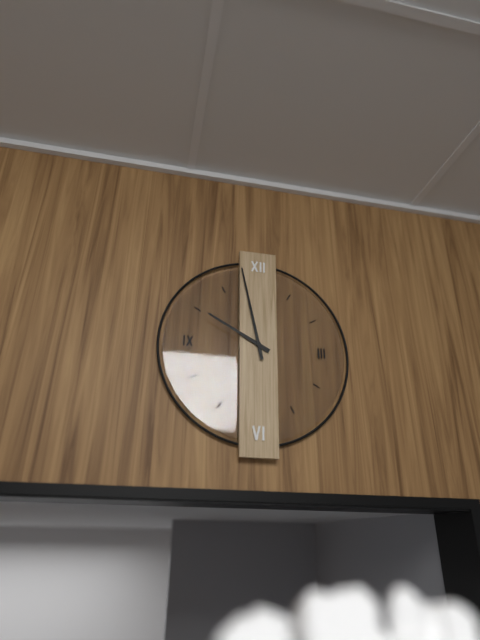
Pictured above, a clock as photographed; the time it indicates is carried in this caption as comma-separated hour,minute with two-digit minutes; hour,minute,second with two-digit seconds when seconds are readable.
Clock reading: 9,58
